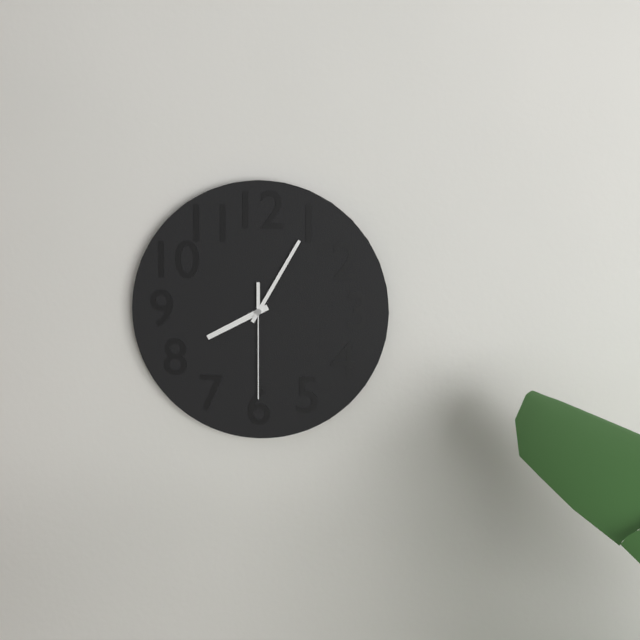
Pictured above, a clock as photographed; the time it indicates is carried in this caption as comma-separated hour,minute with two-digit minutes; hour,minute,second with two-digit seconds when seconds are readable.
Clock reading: 8,05,30
